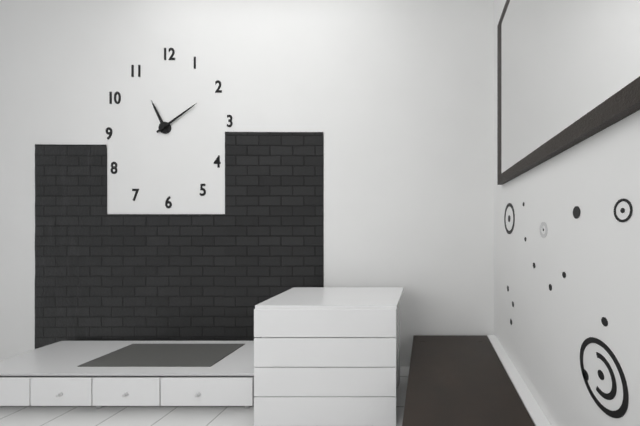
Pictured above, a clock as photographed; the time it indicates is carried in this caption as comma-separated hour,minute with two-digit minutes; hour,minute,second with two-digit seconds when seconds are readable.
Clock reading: 11,09
